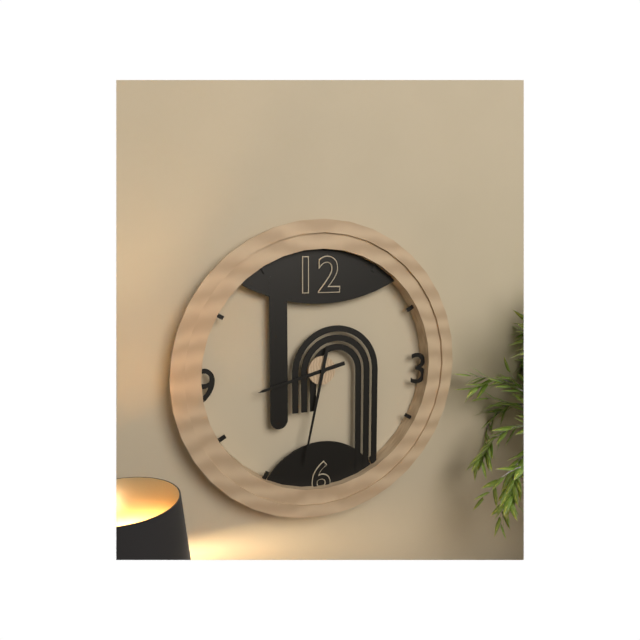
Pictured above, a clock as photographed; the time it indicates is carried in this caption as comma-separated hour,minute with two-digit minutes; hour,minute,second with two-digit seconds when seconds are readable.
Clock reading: 8,32
